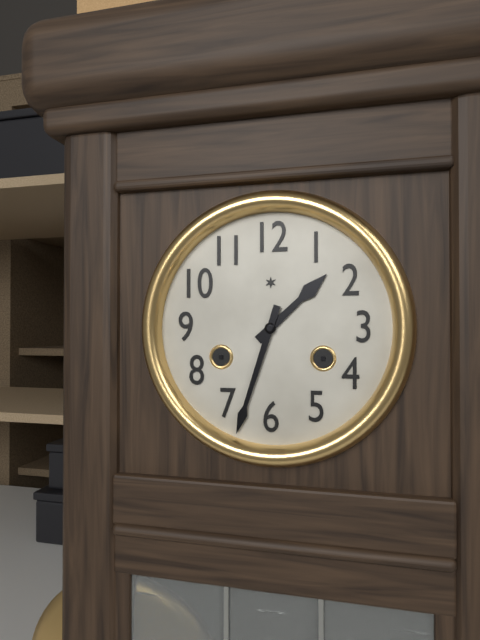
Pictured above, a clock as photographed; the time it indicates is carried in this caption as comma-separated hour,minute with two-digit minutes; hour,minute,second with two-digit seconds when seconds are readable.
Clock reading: 1,33
